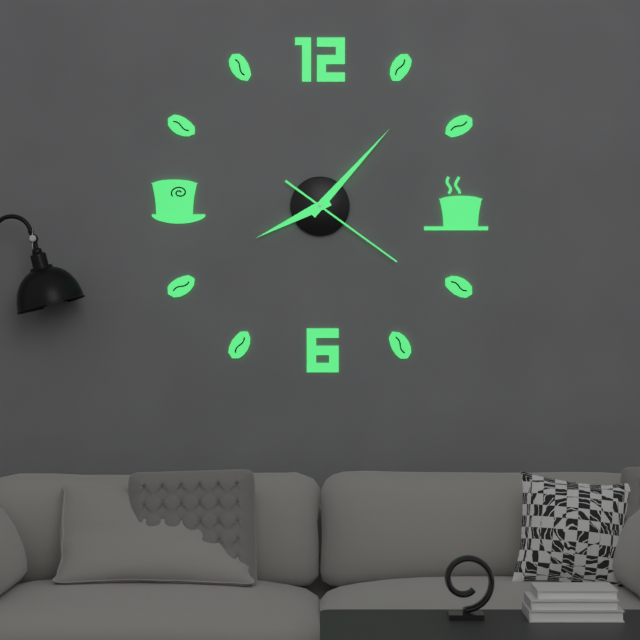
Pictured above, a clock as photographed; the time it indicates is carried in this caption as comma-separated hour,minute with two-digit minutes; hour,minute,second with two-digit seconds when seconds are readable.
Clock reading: 8,07,21
